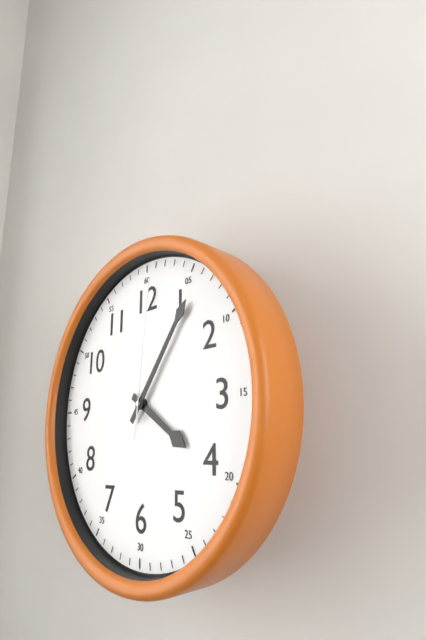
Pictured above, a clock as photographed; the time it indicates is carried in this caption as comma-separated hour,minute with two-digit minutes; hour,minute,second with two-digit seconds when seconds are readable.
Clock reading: 4,06,01
